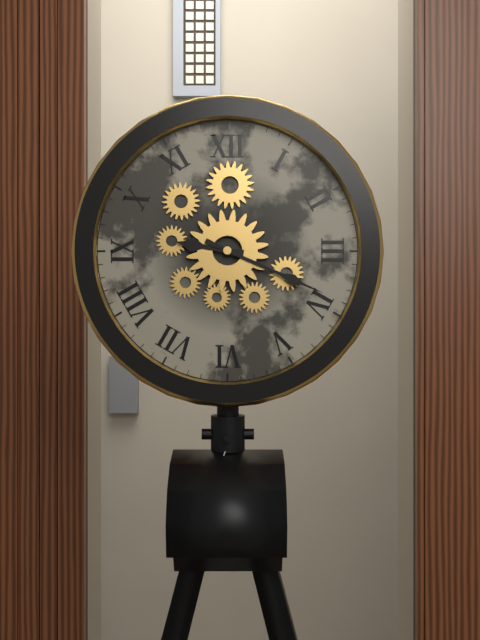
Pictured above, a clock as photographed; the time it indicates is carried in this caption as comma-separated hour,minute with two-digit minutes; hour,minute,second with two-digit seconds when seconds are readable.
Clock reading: 9,19
